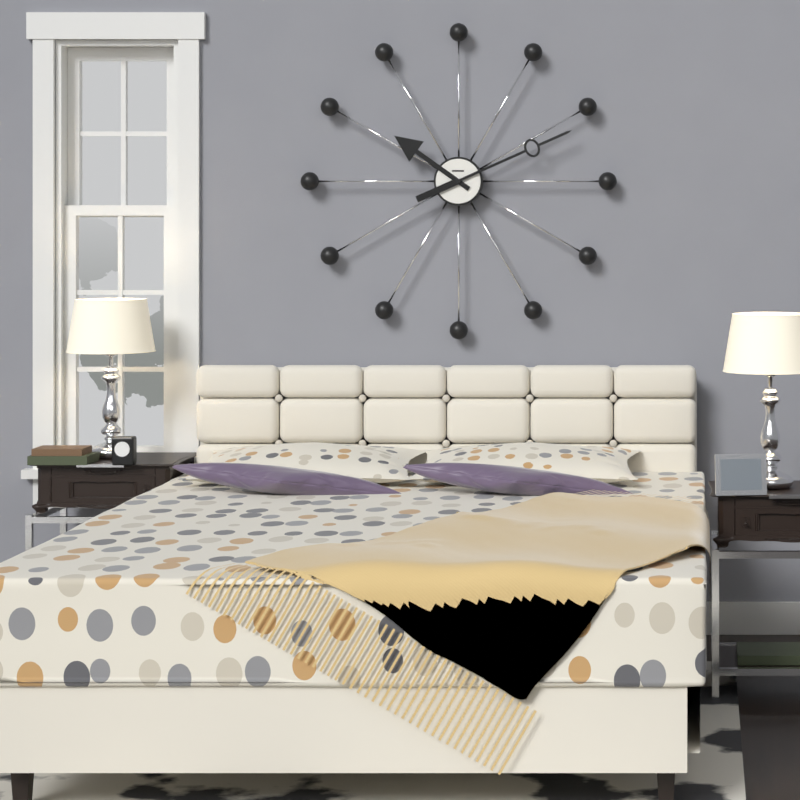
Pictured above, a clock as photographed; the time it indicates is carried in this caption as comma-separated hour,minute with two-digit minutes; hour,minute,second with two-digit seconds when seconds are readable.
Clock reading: 10,11
